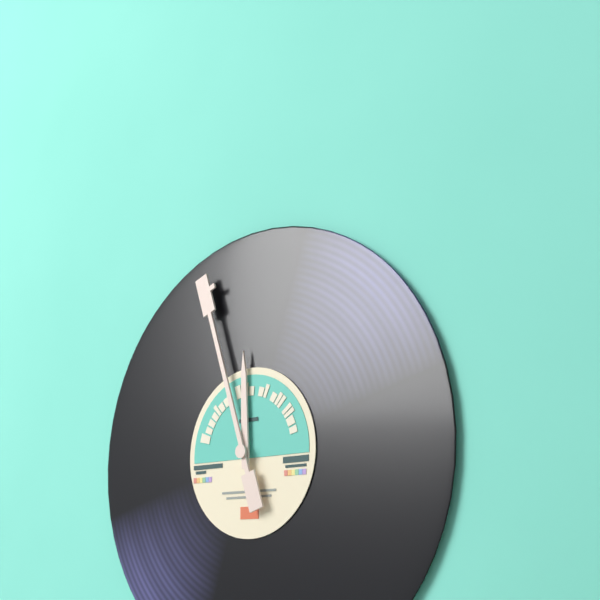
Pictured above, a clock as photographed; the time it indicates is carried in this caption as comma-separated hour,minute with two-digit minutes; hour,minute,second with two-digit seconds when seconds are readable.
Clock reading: 11,57
